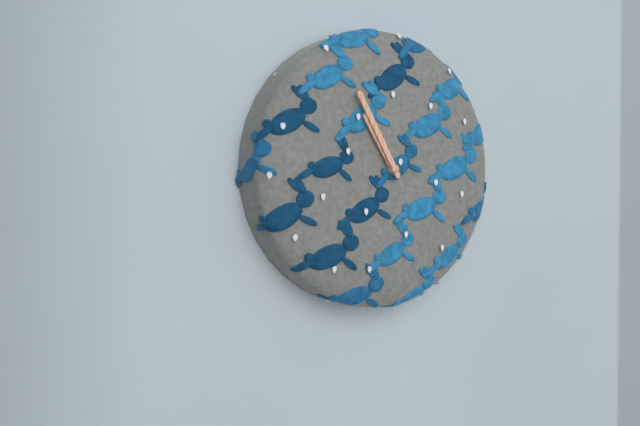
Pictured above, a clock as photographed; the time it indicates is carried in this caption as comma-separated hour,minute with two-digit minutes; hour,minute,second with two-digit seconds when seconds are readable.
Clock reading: 10,55
